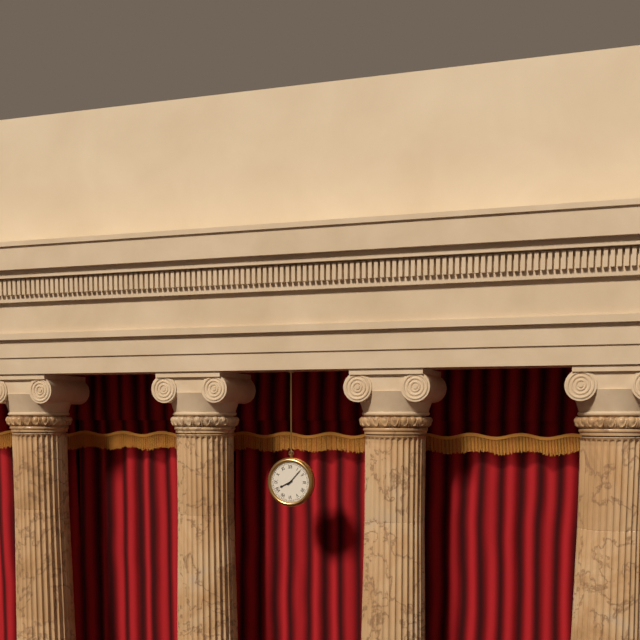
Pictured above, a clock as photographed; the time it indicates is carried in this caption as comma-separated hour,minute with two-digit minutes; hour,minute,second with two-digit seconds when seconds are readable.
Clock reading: 8,07
